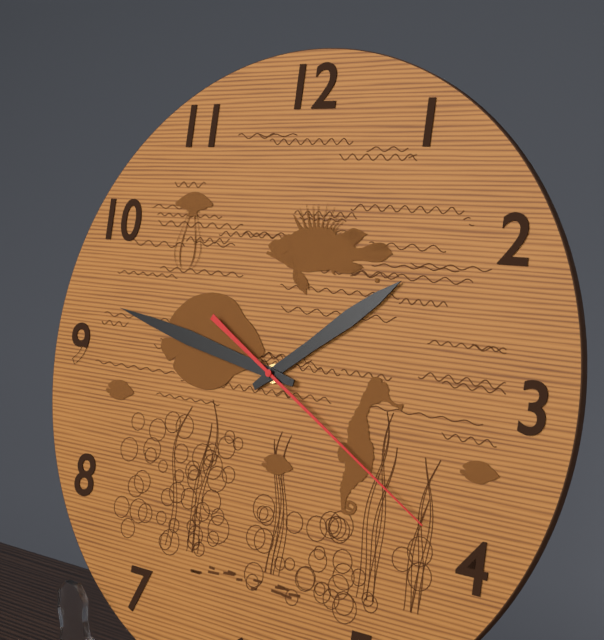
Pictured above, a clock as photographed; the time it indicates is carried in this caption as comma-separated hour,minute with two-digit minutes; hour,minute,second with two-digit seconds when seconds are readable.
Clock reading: 1,47,20
